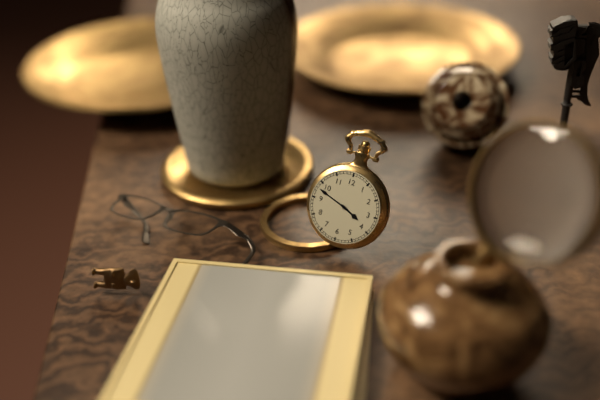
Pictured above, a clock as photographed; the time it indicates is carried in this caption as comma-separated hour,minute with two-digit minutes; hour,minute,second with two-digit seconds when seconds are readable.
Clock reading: 3,48
